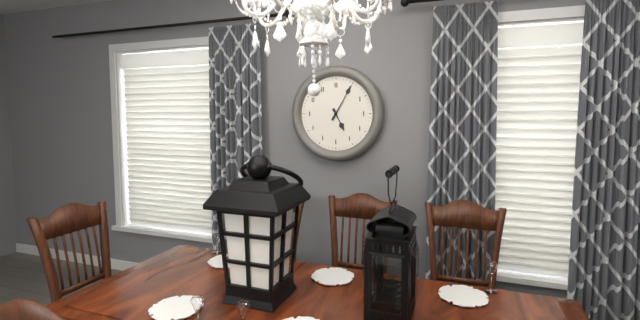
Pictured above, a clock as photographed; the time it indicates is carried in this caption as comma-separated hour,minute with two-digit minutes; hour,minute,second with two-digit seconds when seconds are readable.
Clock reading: 5,05
